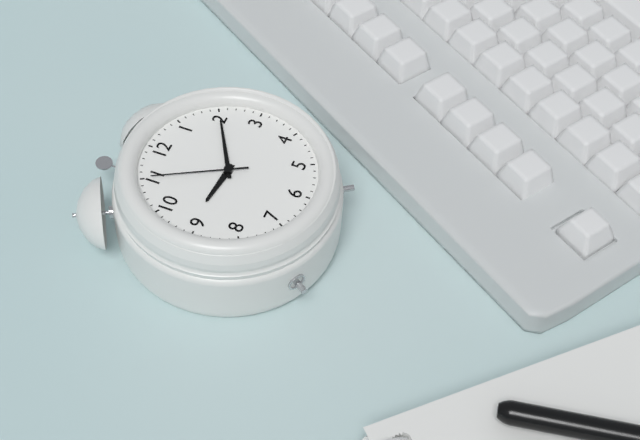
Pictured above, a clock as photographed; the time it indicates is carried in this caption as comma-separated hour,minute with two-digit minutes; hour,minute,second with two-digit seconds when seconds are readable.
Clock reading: 9,10,55
